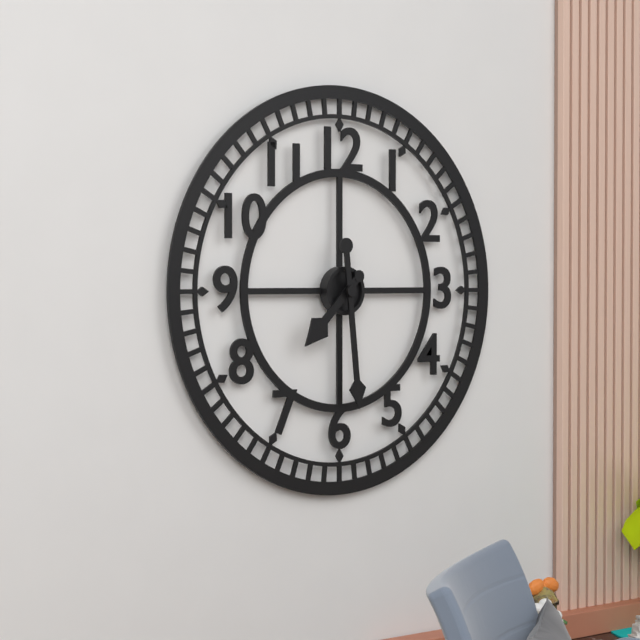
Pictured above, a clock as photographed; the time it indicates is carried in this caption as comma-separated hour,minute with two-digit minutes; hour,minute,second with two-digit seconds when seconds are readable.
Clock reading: 7,29
